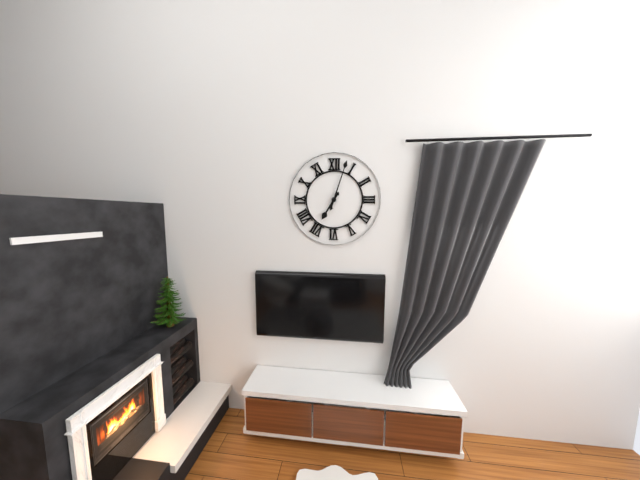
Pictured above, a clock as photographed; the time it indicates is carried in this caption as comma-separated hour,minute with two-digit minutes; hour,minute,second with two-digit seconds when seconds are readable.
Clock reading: 7,03
